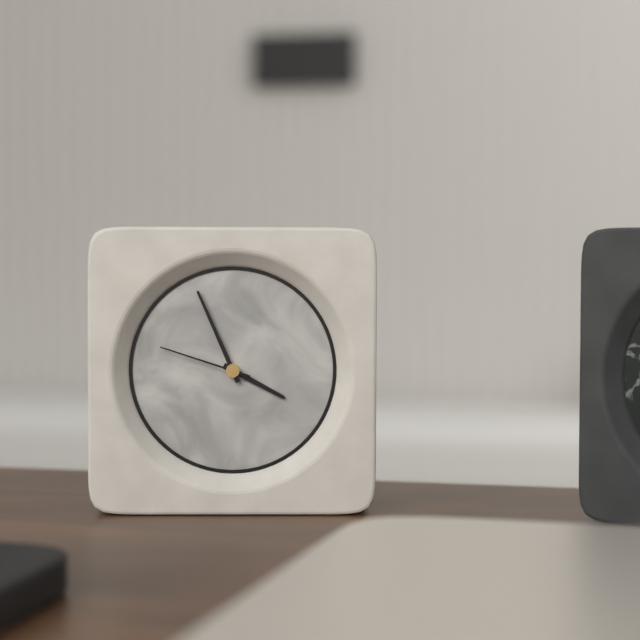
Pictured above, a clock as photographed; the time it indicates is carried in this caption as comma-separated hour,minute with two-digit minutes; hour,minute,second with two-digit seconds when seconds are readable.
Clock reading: 3,56,48
